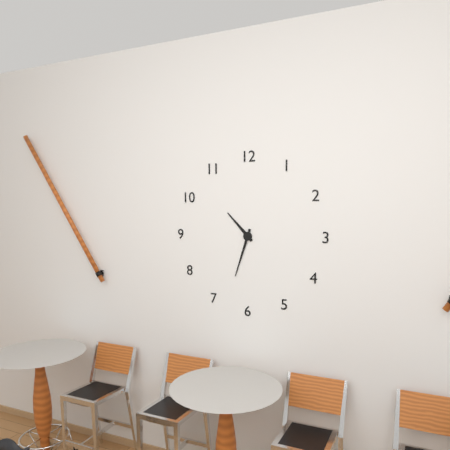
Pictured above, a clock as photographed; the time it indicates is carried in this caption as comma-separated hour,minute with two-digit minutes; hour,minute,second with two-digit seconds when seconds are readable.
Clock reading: 10,33
